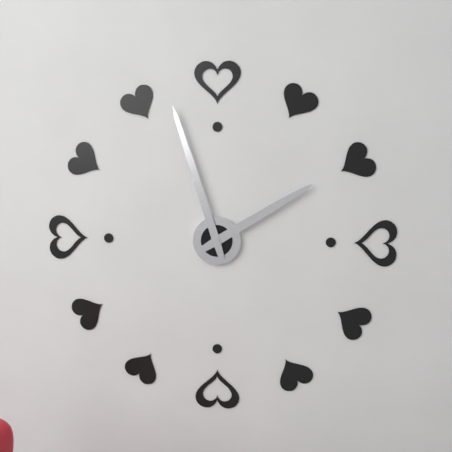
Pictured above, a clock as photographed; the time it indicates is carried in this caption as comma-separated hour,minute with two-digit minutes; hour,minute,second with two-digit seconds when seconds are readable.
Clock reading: 1,57
